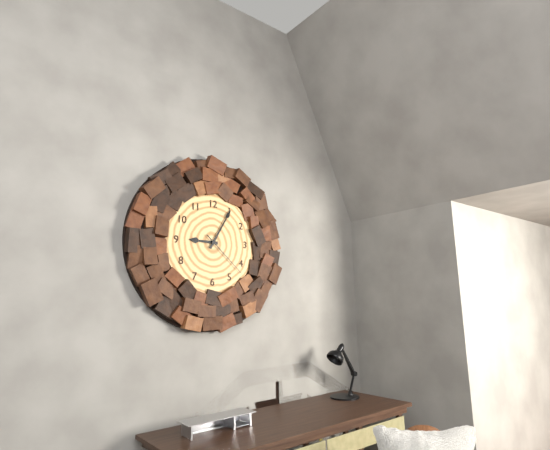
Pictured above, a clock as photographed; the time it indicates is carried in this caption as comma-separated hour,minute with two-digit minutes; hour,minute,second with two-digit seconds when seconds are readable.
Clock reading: 9,05,22
